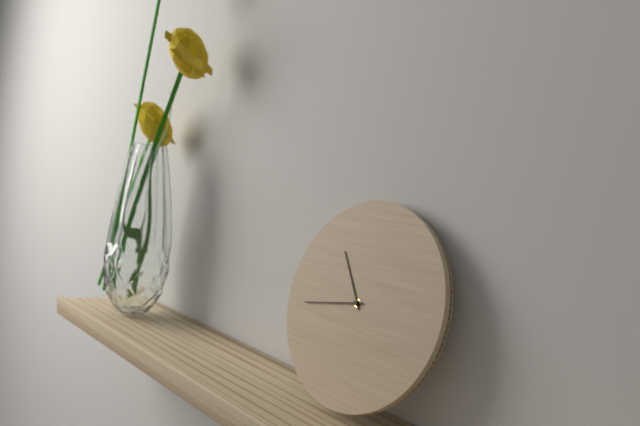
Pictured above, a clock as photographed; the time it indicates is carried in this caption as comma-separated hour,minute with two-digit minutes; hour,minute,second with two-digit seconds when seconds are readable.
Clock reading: 10,43
